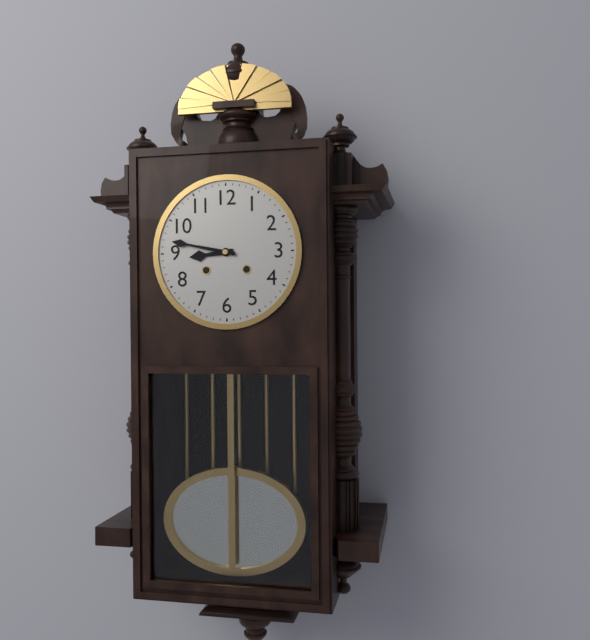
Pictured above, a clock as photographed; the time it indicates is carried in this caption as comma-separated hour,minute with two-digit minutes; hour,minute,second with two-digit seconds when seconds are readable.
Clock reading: 8,47
